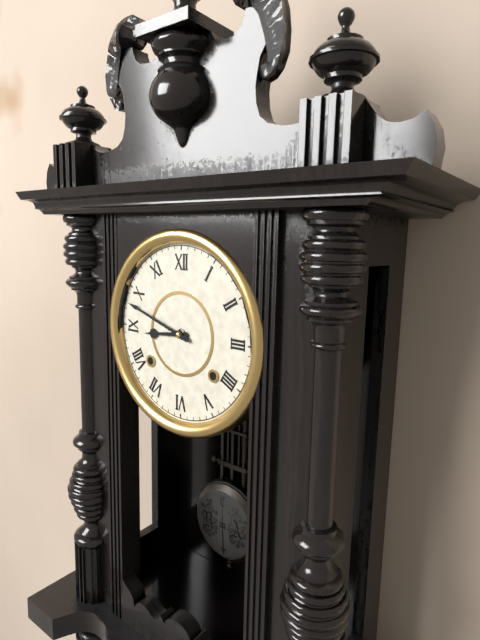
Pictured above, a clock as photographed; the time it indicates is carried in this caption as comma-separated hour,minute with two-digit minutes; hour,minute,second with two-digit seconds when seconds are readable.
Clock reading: 8,48
